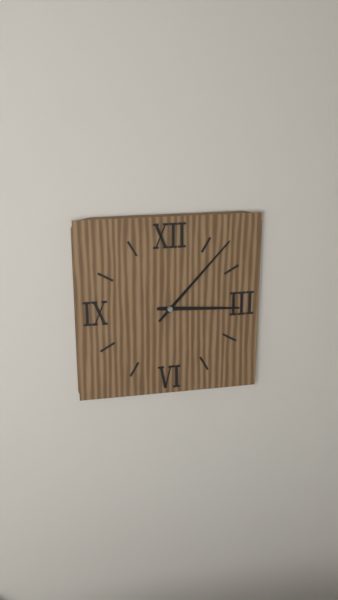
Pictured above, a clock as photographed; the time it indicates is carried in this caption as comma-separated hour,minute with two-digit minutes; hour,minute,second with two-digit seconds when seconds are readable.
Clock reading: 3,07
